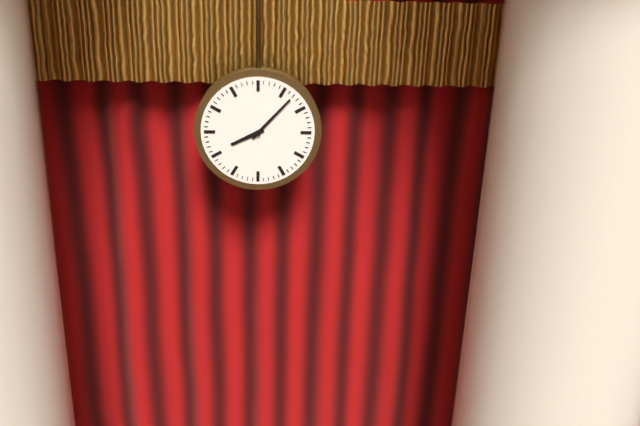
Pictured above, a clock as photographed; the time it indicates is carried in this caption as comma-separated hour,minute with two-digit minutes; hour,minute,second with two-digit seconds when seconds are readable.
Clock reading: 8,07
